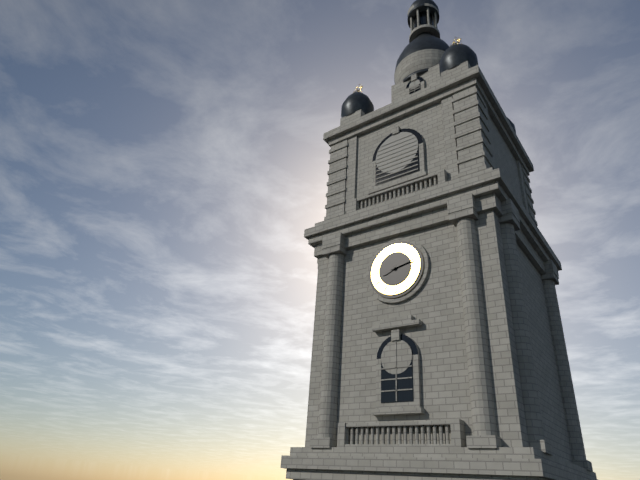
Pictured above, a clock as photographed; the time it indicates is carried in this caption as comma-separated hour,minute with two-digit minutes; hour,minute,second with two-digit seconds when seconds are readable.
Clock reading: 8,13
